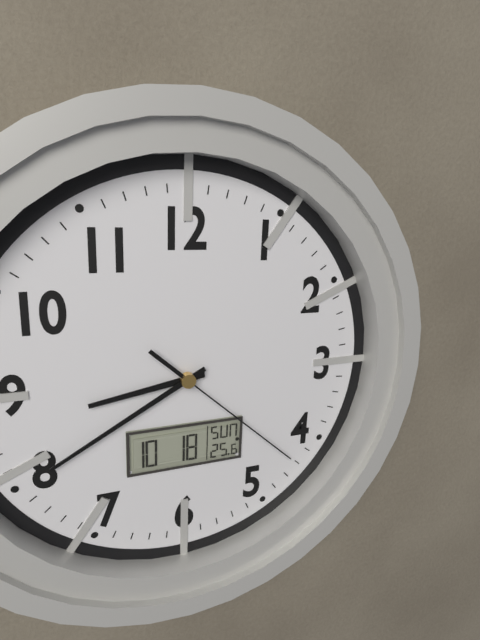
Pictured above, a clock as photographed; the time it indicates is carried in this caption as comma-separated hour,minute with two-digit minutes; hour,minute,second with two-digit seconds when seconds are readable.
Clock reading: 8,40,22
